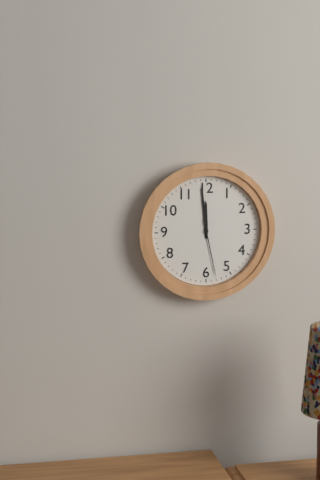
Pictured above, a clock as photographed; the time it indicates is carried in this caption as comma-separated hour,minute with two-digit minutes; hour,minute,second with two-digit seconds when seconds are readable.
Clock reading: 11,59,28
